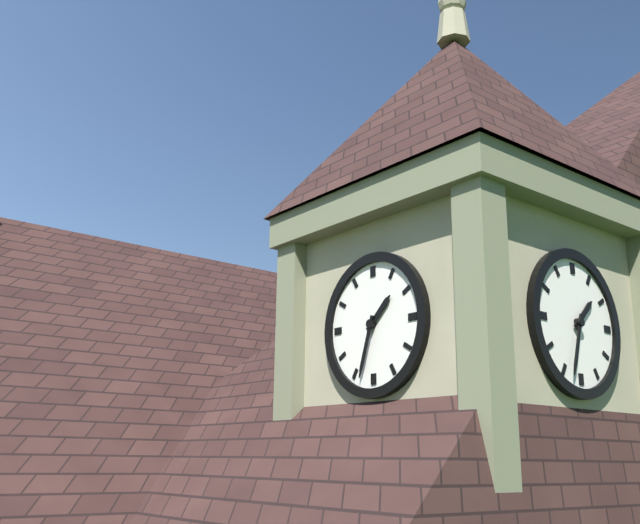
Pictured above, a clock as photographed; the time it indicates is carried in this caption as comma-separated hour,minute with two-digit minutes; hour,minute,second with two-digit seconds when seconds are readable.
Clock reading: 1,33
